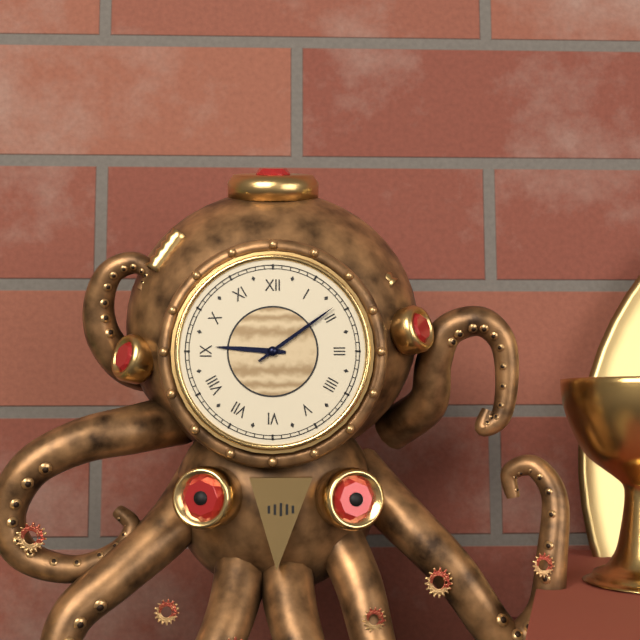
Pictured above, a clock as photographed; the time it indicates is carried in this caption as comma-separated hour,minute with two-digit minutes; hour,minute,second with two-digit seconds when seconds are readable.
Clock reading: 9,09
